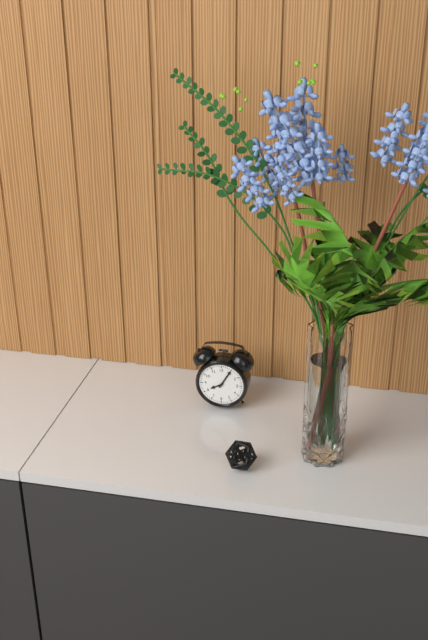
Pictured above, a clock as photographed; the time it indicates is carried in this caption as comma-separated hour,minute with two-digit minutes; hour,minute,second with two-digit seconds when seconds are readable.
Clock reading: 8,05
